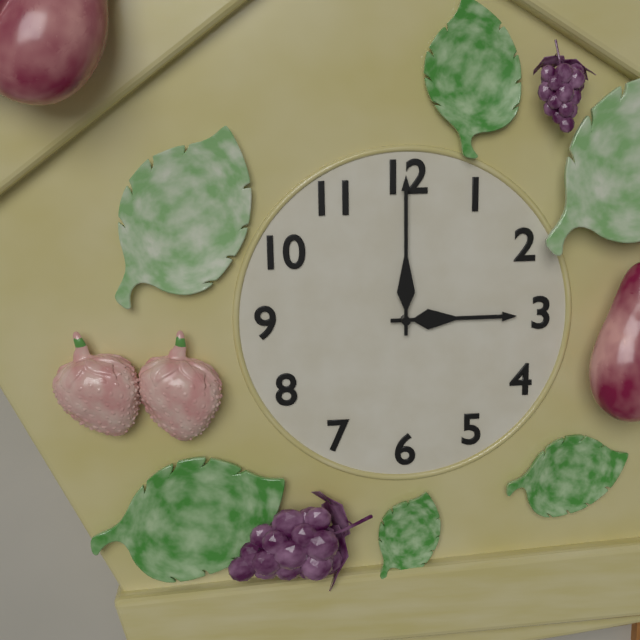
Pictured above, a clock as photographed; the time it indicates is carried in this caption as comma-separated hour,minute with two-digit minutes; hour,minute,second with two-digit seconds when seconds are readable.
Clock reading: 3,00
